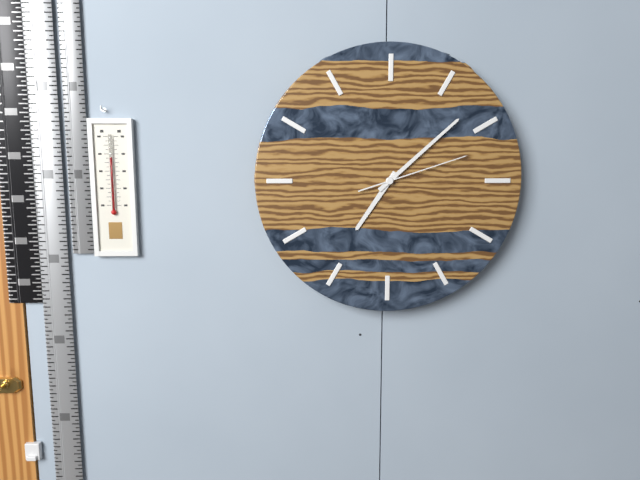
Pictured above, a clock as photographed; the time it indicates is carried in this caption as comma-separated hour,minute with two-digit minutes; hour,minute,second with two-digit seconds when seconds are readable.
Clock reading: 7,08,12
